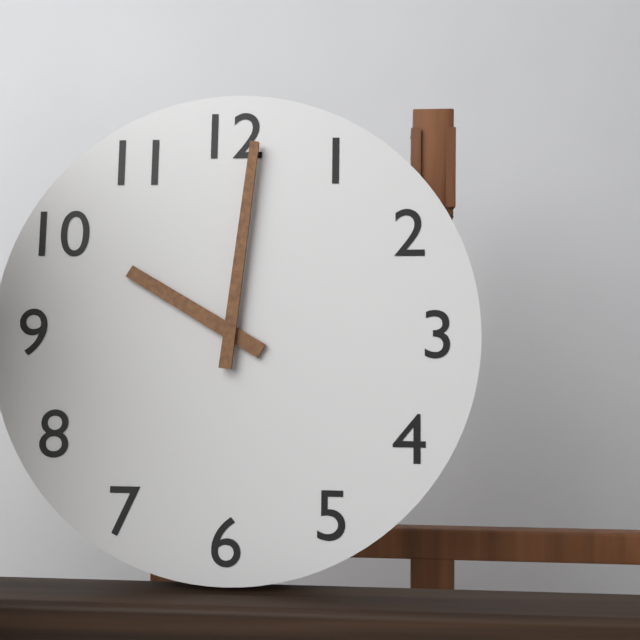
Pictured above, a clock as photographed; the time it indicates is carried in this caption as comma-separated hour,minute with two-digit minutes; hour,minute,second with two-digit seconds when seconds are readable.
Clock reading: 10,01
